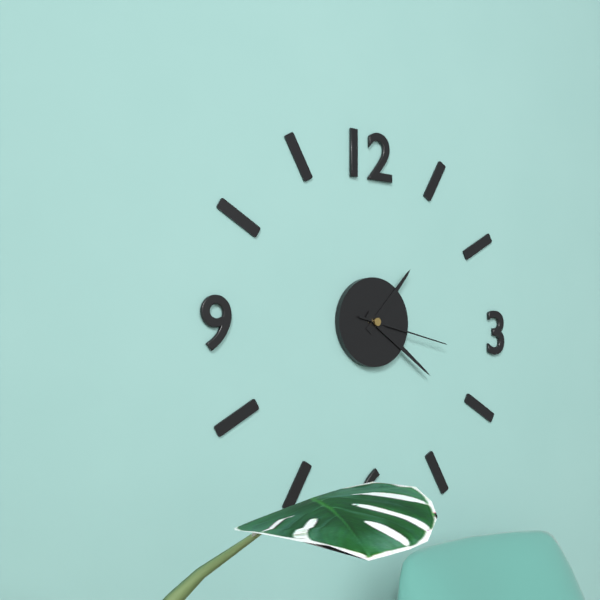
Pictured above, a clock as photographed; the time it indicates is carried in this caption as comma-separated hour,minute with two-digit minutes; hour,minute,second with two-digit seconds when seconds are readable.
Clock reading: 1,21,17
